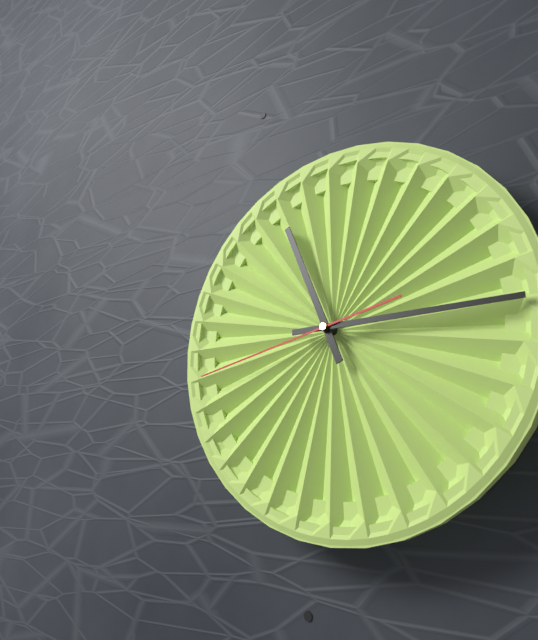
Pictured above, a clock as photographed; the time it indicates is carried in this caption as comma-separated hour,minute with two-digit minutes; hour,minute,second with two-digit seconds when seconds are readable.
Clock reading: 11,15,43
